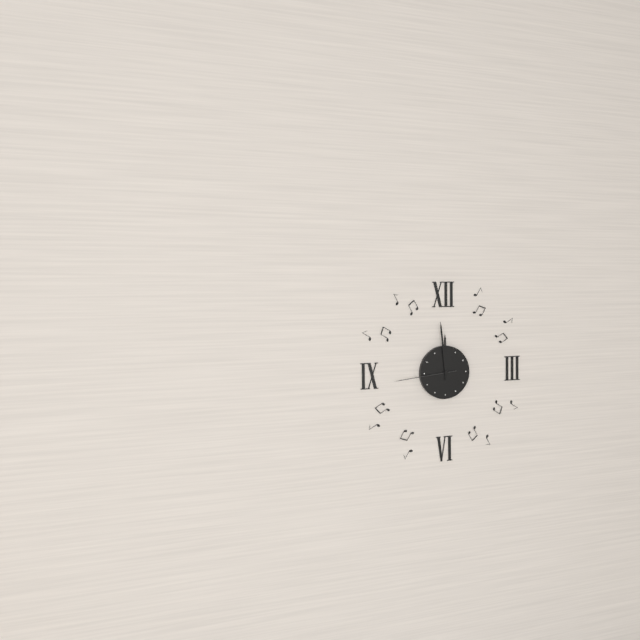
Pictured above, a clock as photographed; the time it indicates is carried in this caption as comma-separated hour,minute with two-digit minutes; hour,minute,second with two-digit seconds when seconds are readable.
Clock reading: 11,59,44
